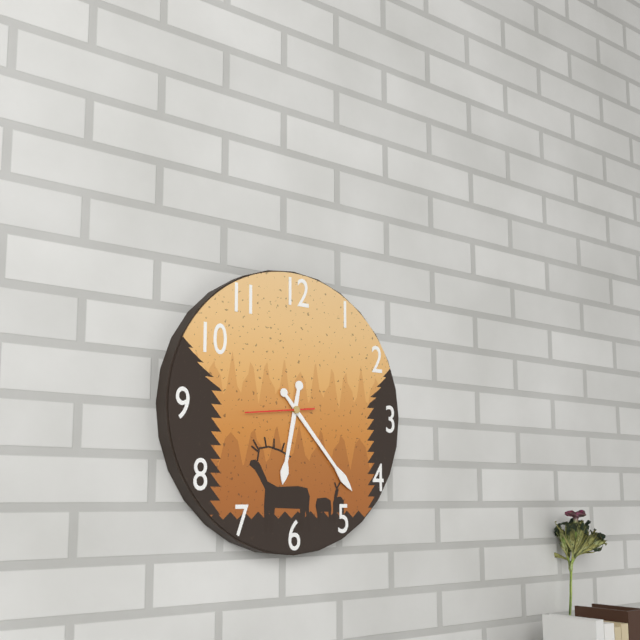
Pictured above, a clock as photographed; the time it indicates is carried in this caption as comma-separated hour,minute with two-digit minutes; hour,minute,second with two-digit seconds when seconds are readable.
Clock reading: 6,23,44
